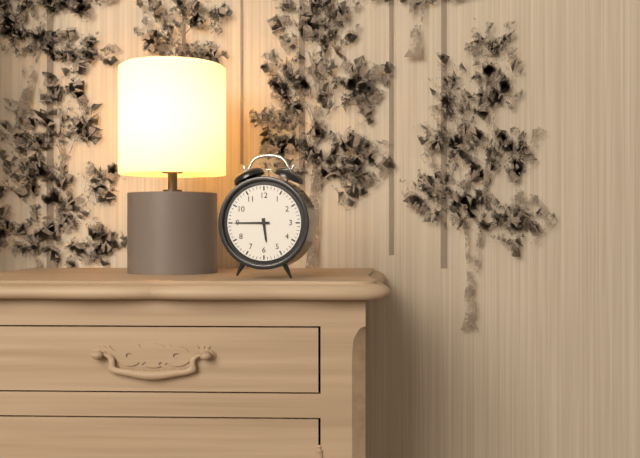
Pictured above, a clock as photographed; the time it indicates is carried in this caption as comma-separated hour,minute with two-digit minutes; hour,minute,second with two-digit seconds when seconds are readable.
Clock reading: 5,45
